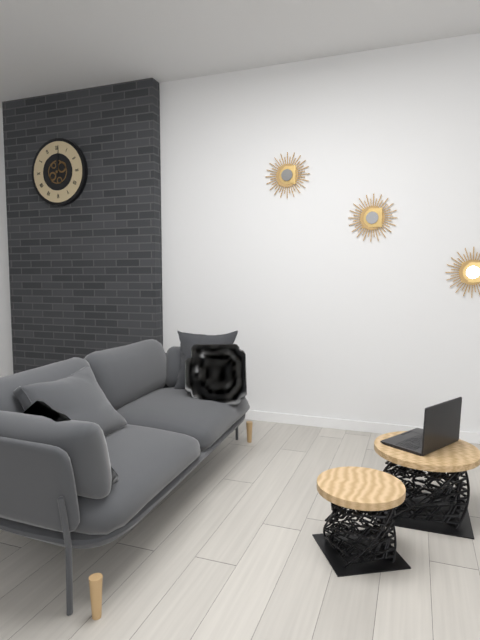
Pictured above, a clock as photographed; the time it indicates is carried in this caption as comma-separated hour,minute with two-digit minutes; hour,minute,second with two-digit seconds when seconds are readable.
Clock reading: 12,01
